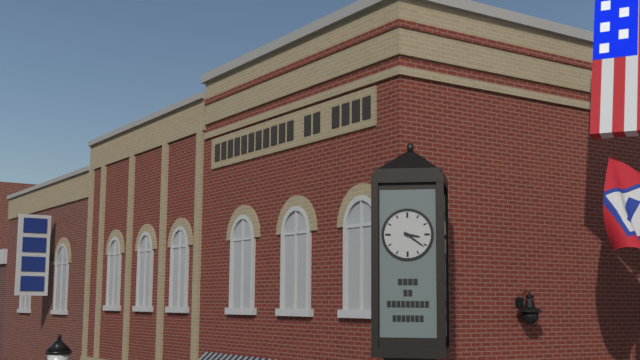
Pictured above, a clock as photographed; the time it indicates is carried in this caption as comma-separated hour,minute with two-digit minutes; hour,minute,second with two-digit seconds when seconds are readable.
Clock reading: 3,21
